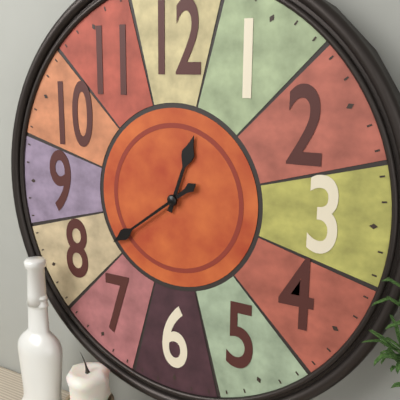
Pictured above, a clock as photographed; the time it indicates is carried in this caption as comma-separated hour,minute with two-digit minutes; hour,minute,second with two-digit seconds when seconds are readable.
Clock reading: 12,39
